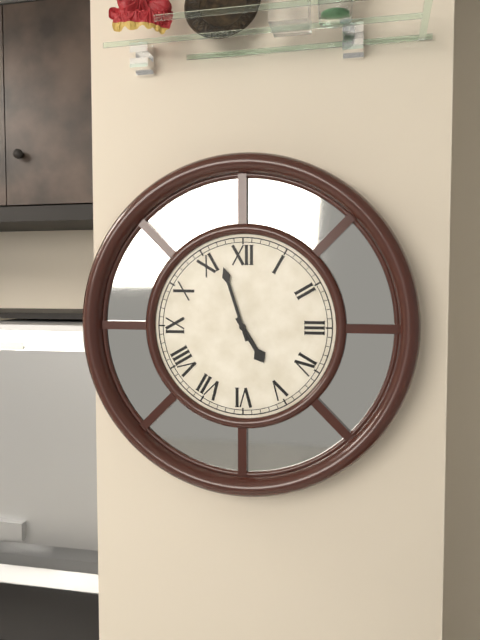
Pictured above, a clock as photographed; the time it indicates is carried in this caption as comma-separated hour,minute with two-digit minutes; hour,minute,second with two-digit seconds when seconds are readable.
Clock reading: 4,57
